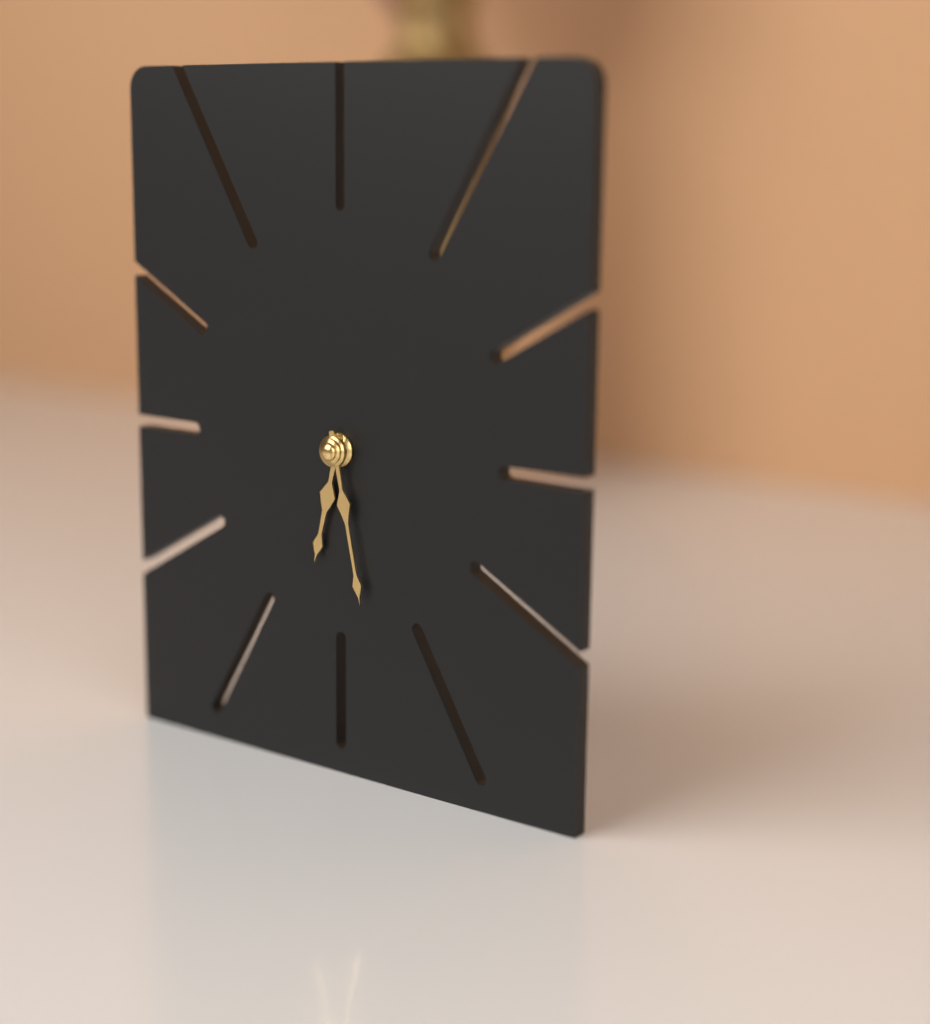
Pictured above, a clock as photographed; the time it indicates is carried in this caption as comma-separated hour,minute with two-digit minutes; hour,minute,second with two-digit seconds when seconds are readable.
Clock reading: 6,28
